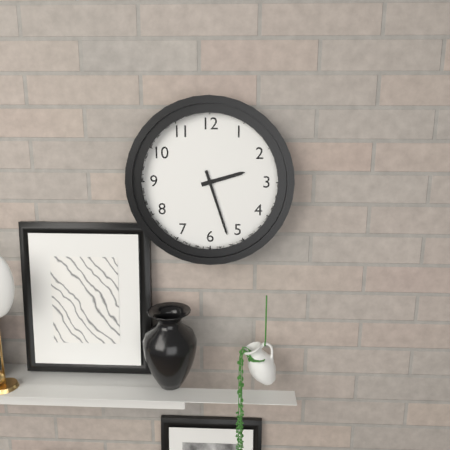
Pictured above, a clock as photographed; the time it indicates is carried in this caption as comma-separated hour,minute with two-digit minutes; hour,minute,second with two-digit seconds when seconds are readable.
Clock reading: 2,27
